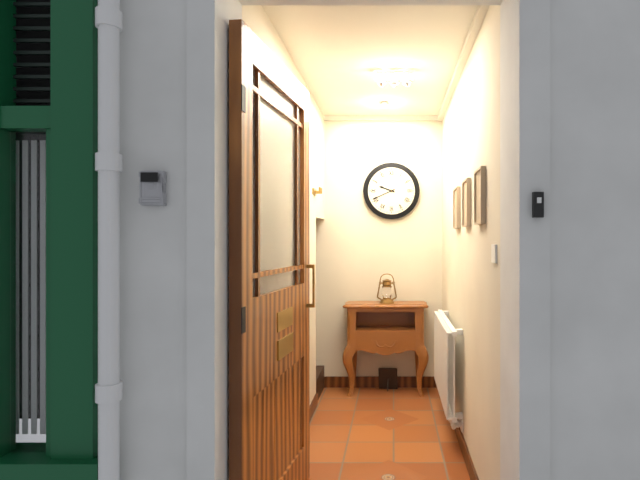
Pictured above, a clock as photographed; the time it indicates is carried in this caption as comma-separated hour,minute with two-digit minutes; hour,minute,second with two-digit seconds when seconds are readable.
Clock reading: 9,41
